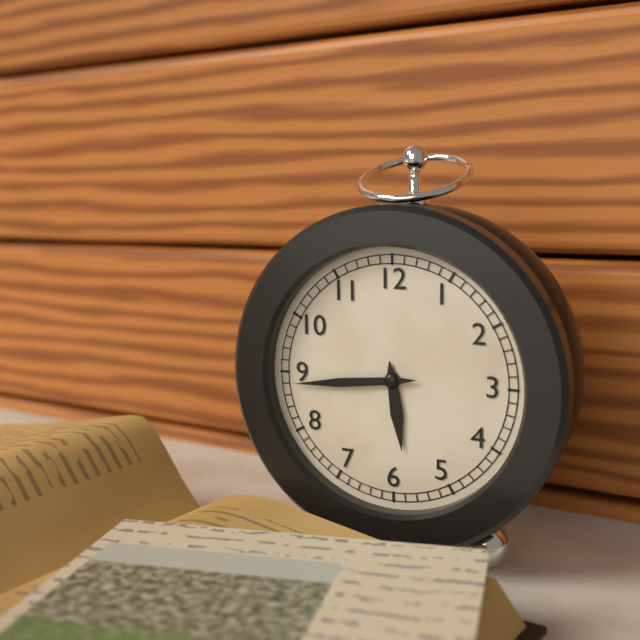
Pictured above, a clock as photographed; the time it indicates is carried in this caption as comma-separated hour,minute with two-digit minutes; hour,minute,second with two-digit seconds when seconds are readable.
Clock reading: 5,44
